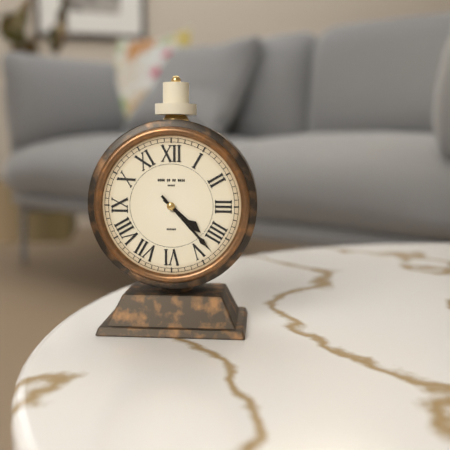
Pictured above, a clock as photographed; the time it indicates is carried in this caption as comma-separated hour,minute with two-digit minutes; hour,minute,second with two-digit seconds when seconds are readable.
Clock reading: 4,23
